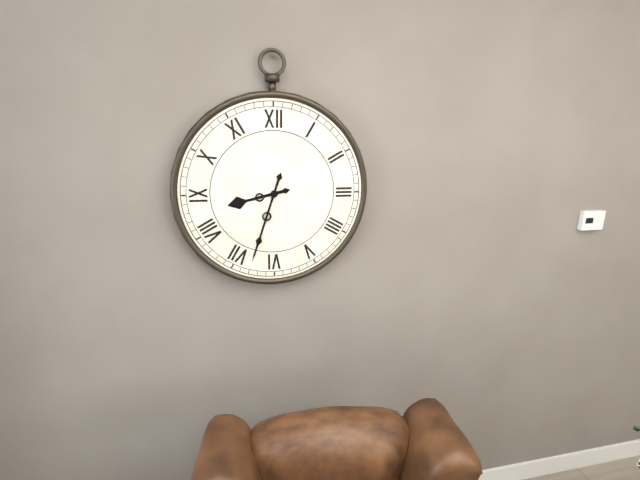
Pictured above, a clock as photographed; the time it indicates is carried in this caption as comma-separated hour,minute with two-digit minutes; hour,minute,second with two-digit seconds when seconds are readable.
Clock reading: 8,33
